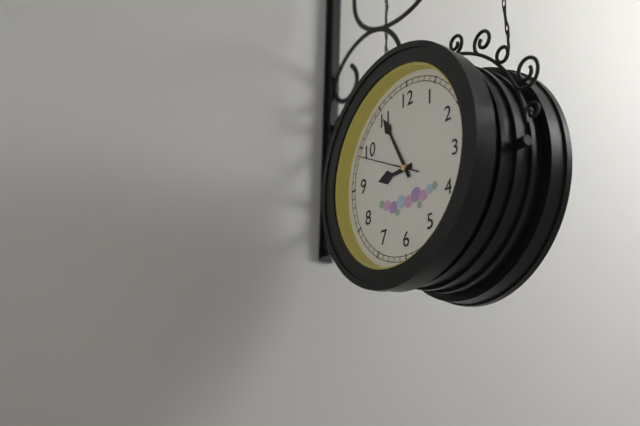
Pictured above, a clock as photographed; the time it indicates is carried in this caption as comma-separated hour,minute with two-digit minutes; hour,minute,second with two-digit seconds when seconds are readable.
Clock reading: 8,55,49
